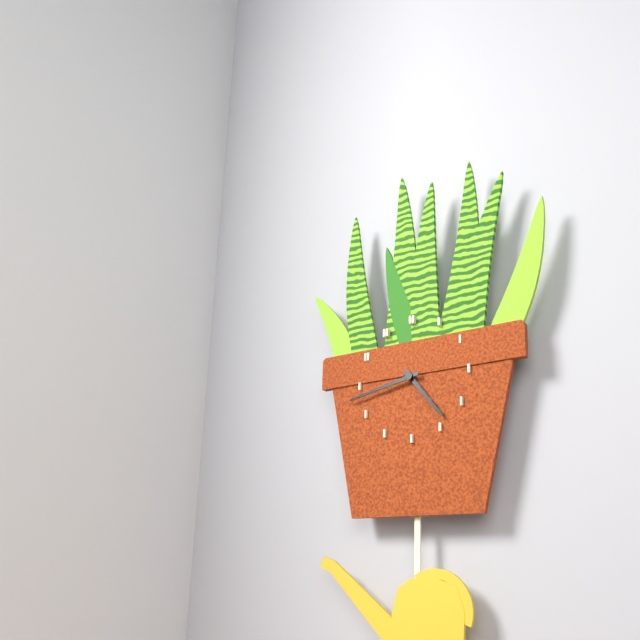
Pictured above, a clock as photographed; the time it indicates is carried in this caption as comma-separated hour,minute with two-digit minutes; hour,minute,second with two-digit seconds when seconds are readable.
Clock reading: 4,43
